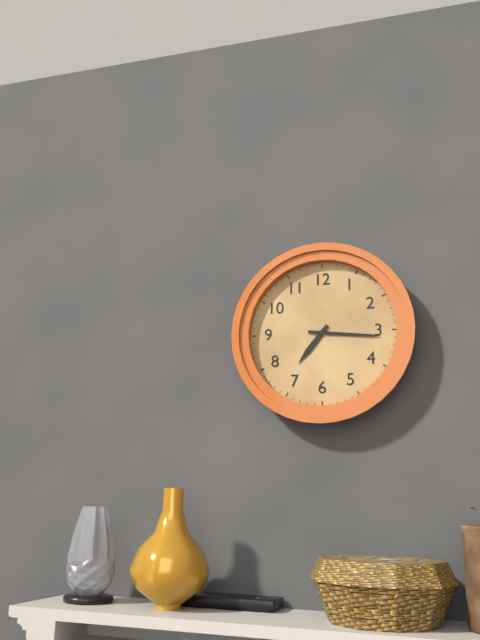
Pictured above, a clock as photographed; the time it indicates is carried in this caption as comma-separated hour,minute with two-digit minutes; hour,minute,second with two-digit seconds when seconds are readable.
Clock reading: 7,16
